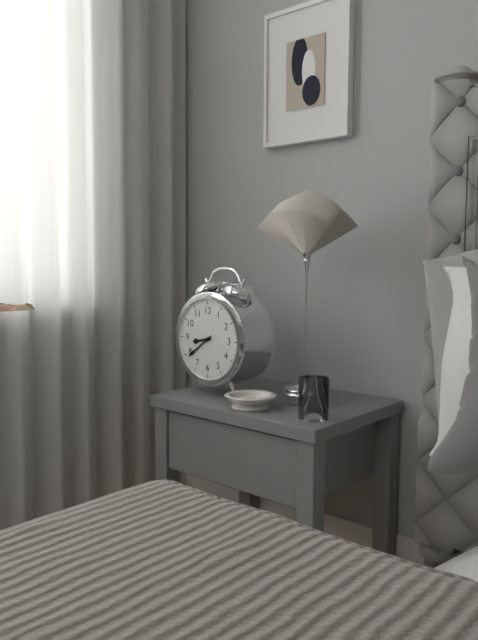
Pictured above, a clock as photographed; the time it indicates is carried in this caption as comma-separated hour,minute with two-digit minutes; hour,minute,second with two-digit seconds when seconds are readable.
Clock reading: 8,39
